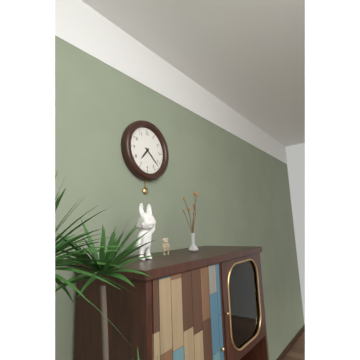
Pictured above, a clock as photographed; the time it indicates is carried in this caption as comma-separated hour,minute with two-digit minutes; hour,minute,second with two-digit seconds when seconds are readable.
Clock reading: 7,22
